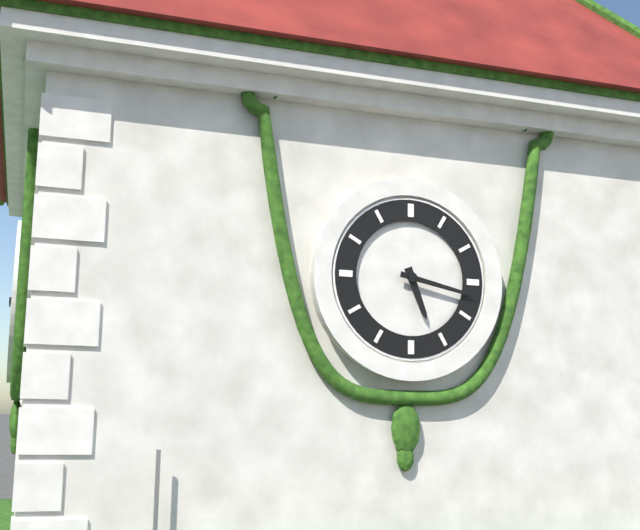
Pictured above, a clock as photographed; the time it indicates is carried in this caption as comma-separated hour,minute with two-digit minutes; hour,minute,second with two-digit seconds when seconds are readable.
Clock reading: 5,17
